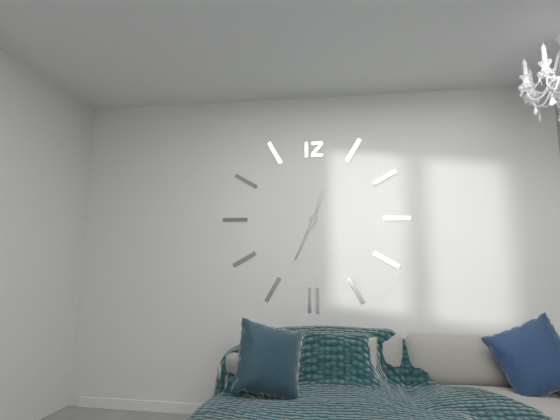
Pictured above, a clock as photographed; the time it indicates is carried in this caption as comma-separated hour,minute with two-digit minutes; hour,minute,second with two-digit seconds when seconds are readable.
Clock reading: 12,34
